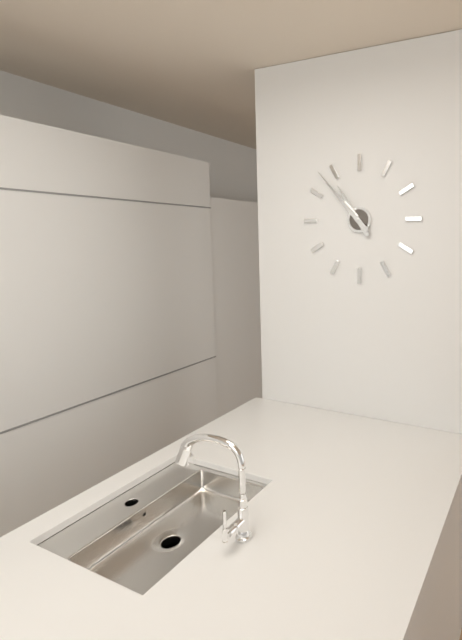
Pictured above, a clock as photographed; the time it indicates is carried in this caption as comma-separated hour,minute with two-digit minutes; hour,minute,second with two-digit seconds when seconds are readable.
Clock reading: 10,53
